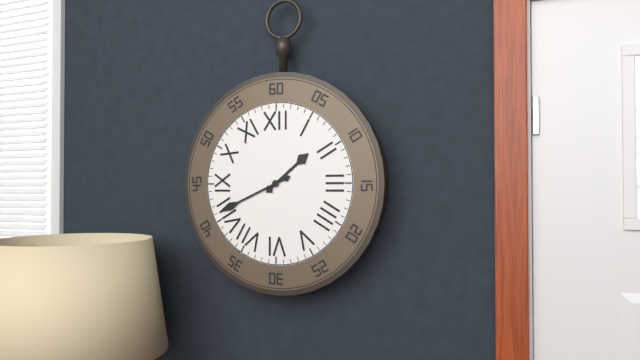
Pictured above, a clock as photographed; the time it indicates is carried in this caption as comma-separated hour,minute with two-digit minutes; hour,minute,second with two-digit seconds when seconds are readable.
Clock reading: 1,41
